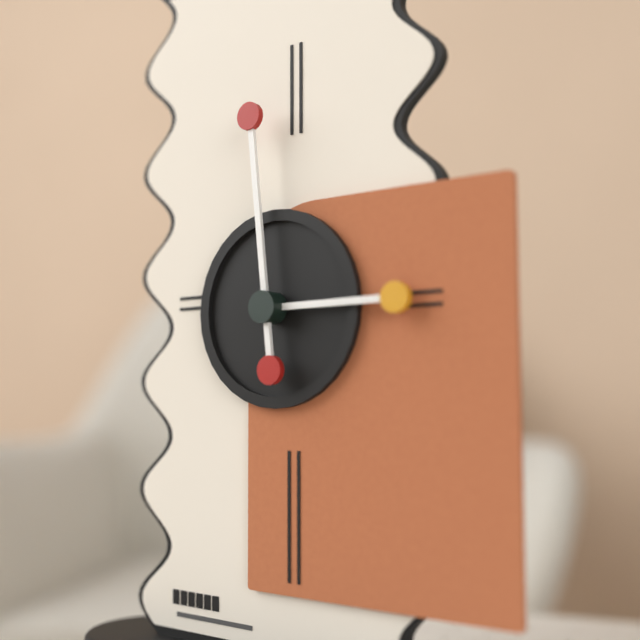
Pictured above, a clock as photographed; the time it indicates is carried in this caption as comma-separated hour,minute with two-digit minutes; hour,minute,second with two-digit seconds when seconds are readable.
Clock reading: 2,59
